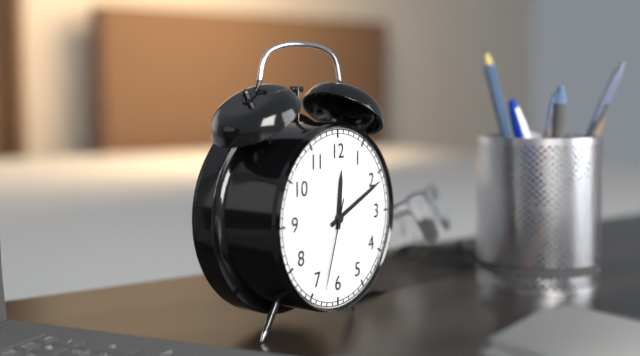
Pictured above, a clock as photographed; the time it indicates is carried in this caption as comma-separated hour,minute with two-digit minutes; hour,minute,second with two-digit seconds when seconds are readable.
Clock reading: 12,11,33
